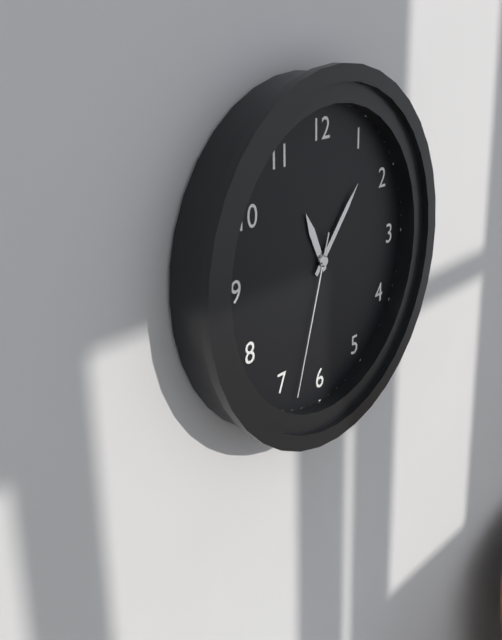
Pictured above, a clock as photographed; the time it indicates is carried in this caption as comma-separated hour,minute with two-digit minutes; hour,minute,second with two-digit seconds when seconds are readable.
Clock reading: 11,07,33
